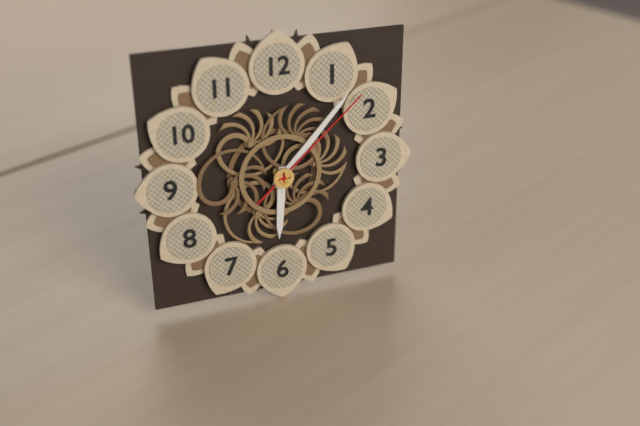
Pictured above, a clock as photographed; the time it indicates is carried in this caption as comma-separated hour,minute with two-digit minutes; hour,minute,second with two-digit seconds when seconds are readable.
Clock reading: 6,07,08
